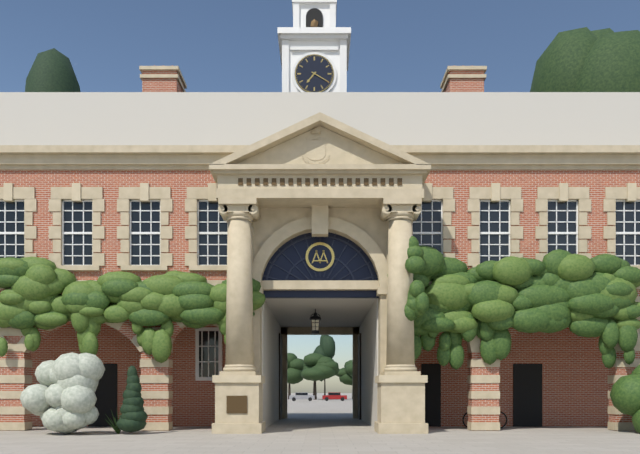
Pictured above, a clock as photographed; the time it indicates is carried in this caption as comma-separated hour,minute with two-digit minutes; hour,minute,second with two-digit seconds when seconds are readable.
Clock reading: 7,20
